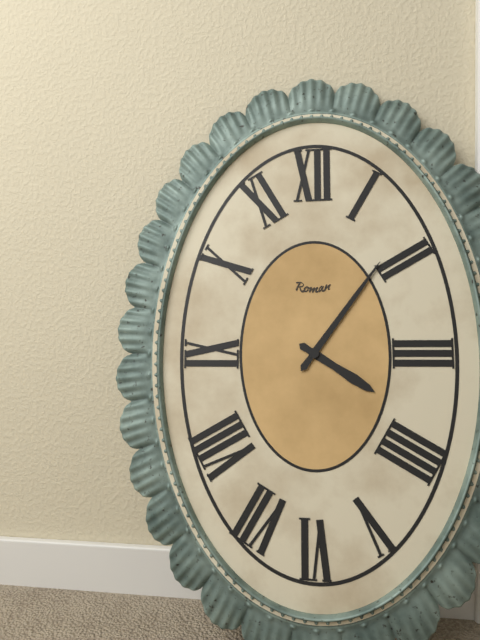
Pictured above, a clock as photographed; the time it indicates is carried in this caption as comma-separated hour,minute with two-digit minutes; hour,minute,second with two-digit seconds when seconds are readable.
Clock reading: 4,06
